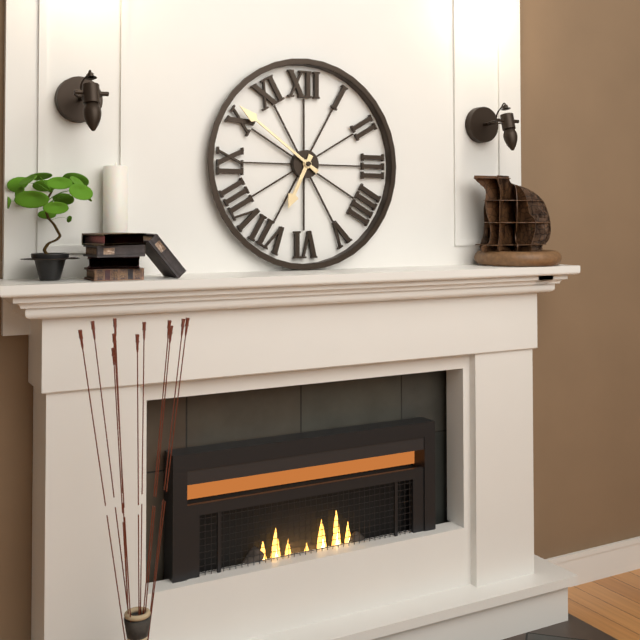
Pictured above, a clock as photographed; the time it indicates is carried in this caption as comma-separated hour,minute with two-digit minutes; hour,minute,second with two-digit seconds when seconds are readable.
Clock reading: 6,51
